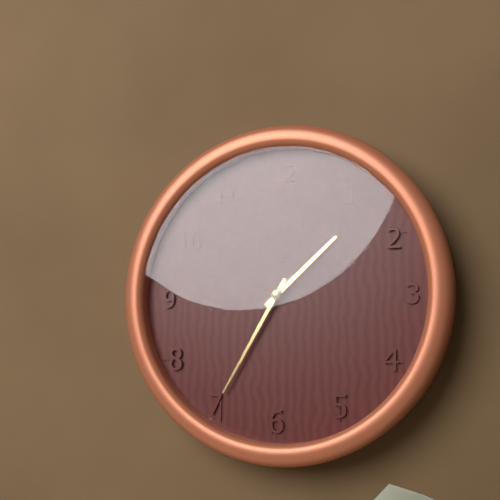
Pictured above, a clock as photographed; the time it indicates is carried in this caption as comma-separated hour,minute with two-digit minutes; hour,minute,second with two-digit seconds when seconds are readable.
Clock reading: 1,35
